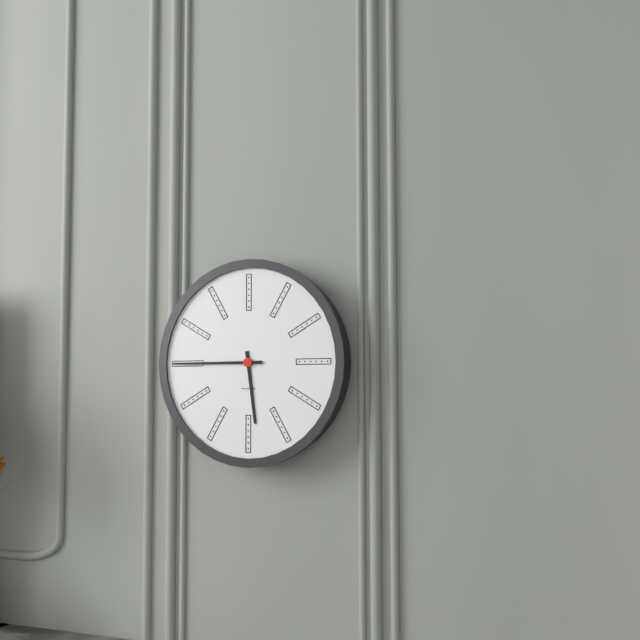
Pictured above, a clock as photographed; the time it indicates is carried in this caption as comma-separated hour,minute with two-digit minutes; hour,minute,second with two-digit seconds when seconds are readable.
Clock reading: 5,45
